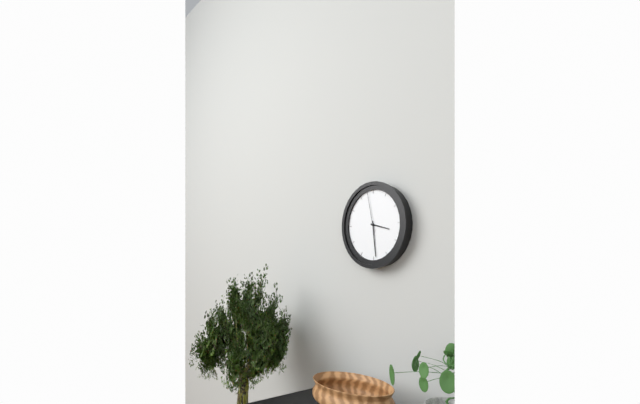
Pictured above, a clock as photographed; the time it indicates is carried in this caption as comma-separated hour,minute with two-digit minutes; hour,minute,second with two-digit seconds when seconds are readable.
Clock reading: 3,29
